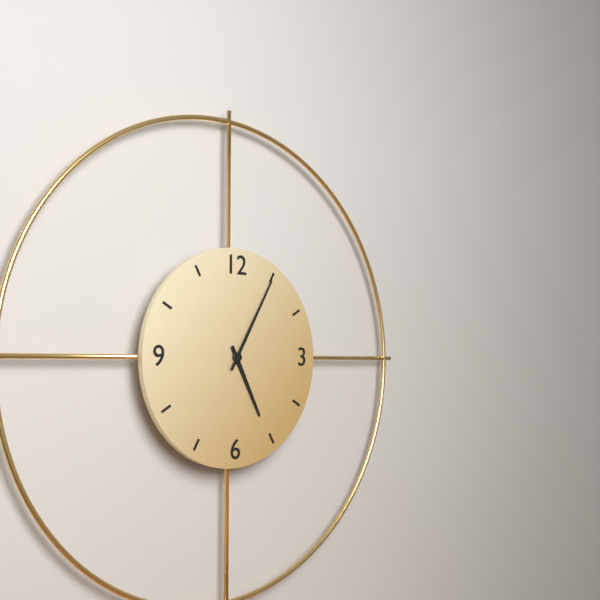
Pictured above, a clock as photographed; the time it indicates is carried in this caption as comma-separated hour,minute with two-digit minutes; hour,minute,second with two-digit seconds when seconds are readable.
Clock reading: 5,05
